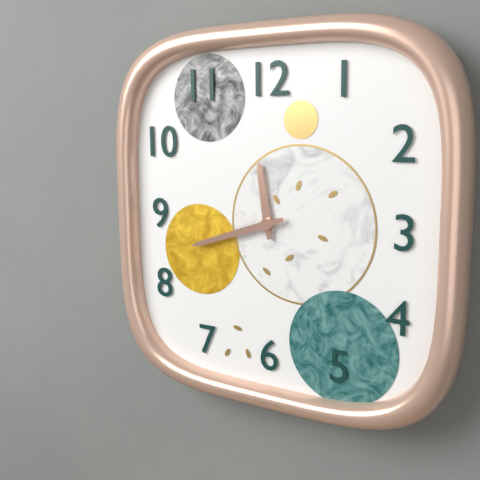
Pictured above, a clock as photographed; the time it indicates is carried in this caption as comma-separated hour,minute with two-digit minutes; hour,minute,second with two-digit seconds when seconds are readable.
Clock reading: 11,42
